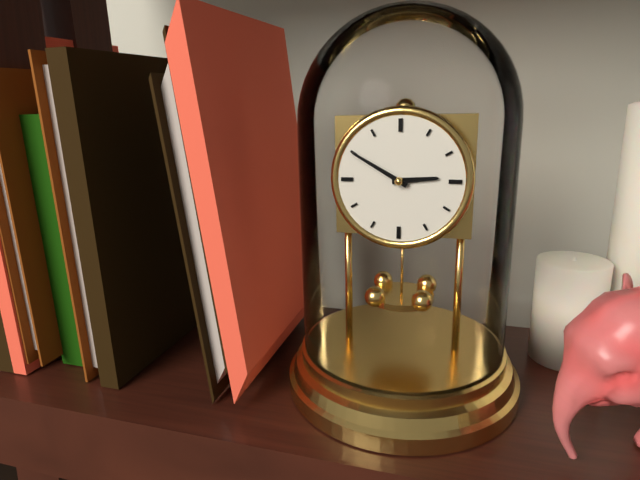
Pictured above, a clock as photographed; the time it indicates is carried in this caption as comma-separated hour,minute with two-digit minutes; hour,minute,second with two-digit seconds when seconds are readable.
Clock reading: 2,50
